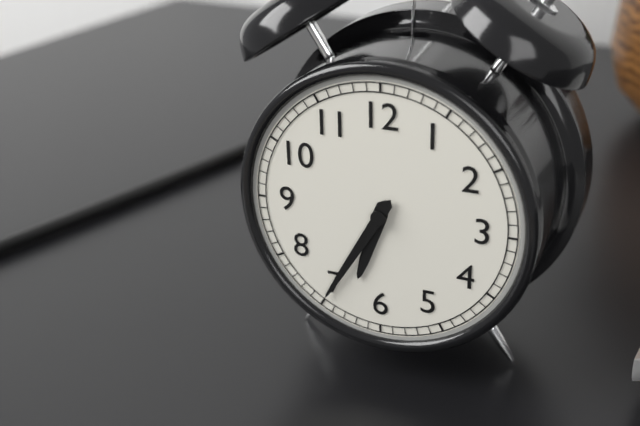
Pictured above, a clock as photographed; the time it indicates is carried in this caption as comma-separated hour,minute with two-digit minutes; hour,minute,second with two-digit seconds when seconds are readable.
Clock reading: 6,35
